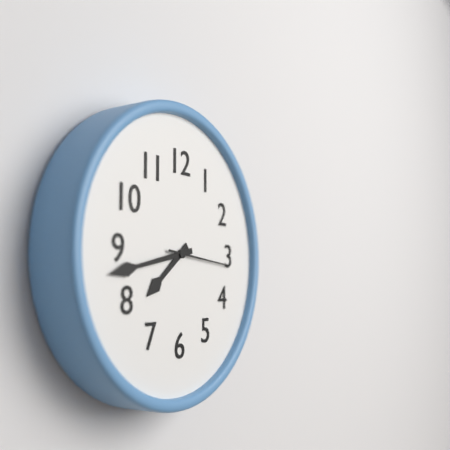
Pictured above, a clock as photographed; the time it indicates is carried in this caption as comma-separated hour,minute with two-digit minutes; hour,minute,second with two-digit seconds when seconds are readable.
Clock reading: 7,43,16
